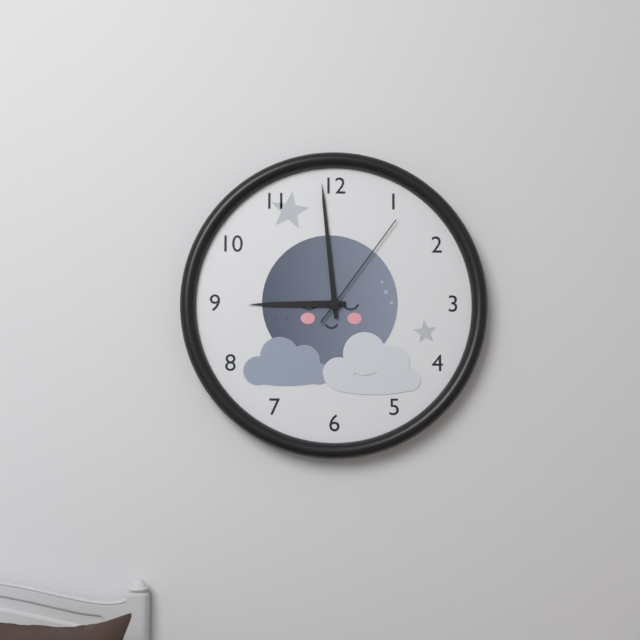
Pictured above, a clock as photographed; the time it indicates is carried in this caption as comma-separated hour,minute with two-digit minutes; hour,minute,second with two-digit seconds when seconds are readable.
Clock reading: 8,59,06
